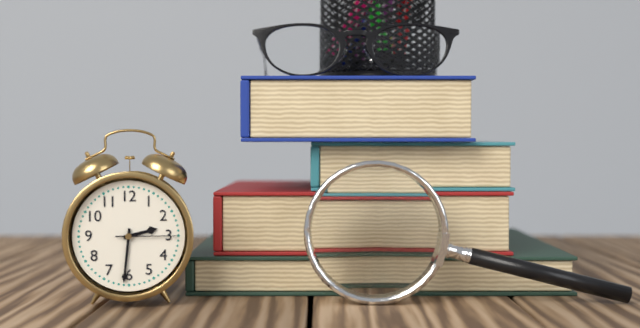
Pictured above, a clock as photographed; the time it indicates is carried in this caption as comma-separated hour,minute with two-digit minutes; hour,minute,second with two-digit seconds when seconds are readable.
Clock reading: 2,31,15
